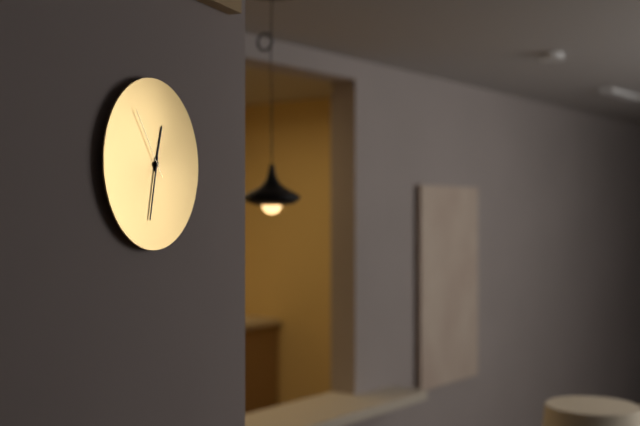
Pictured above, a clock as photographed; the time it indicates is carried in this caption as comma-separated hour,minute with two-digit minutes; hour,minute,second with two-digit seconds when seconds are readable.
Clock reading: 12,32,54
